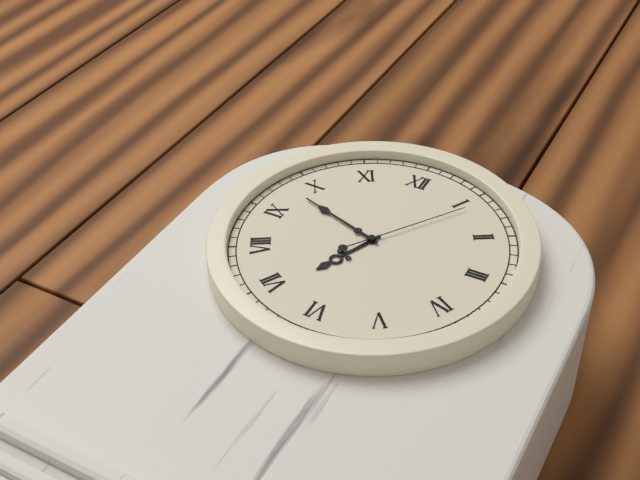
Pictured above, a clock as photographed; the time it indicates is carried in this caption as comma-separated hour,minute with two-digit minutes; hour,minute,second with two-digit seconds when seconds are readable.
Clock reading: 6,48,06
